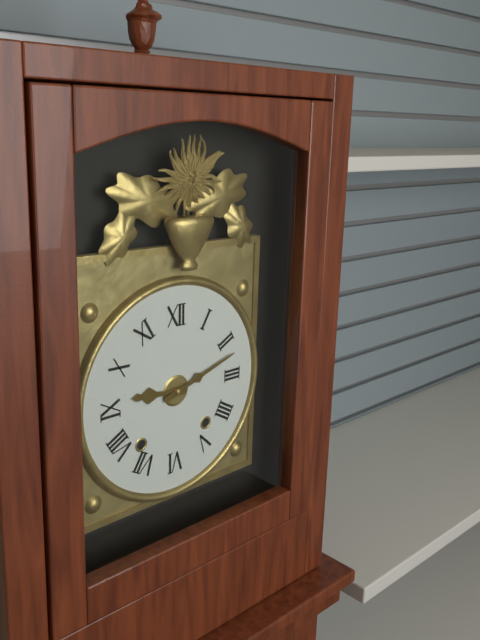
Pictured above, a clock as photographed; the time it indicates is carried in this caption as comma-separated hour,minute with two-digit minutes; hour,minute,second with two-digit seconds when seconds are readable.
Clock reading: 9,12
